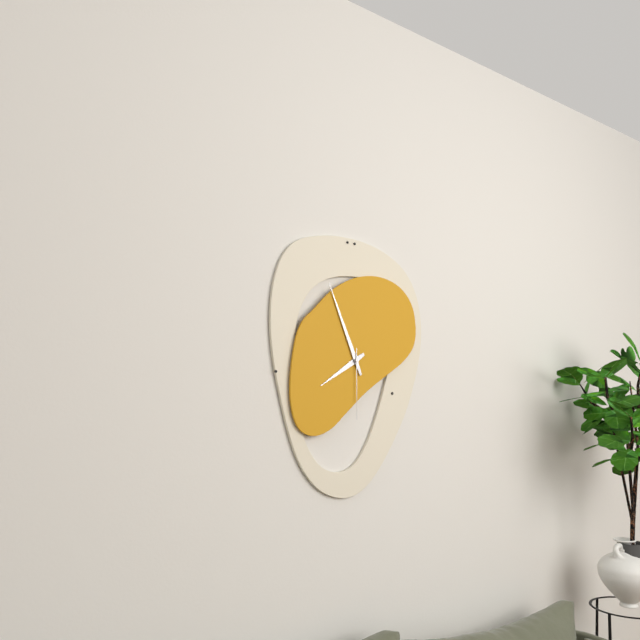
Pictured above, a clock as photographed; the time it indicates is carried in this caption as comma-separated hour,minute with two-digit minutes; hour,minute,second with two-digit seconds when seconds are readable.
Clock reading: 7,56,30
